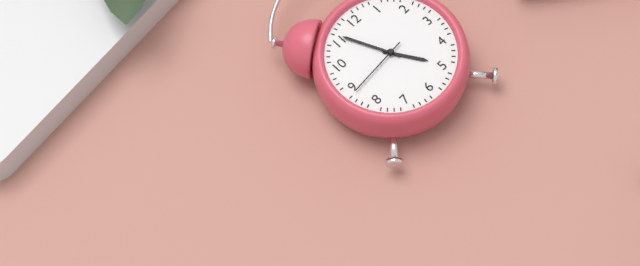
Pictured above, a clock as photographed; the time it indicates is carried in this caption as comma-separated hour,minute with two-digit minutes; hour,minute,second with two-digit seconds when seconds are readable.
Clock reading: 4,56
